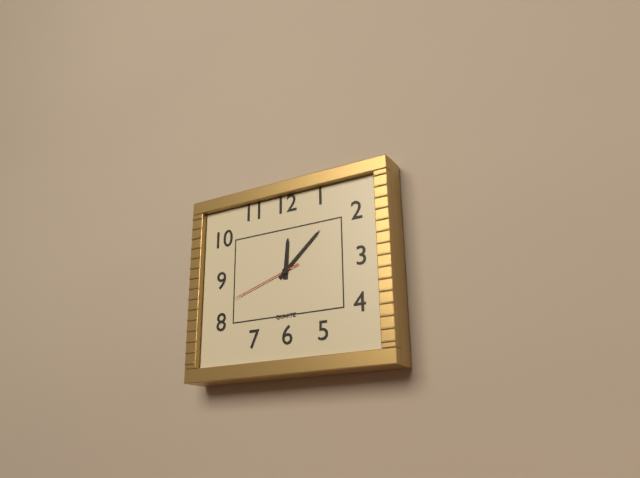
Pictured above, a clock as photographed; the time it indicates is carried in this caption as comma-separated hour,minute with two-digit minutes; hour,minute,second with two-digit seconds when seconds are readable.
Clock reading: 12,08,42
